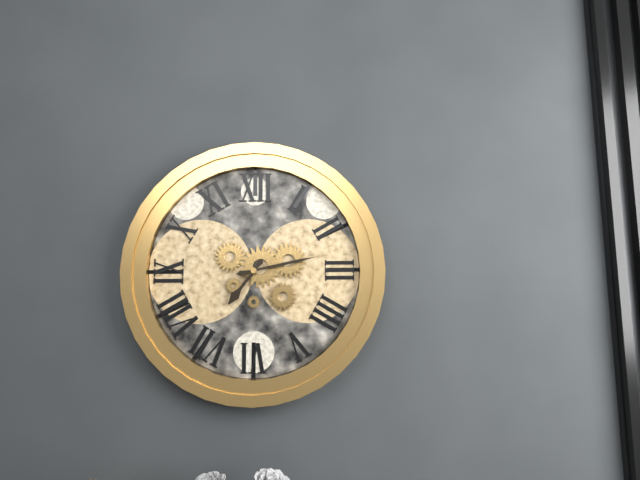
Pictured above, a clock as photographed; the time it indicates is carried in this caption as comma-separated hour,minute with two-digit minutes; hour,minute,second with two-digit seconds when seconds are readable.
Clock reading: 7,13
